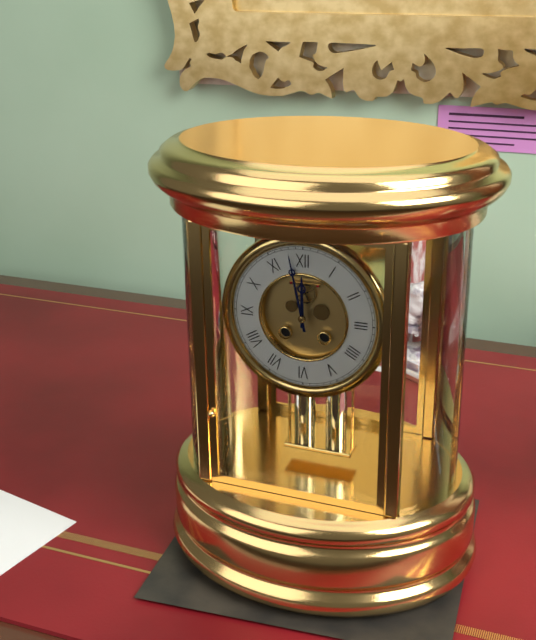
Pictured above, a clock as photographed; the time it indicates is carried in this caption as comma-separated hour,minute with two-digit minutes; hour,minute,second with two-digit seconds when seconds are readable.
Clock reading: 11,58
